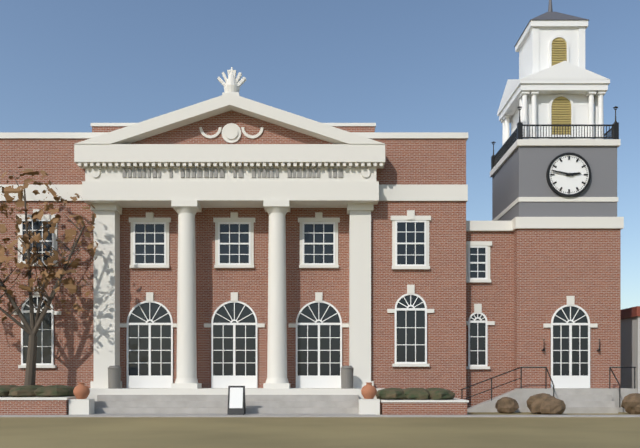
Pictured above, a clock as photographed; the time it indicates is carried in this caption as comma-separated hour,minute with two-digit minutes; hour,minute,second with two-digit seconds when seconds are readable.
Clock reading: 2,47
